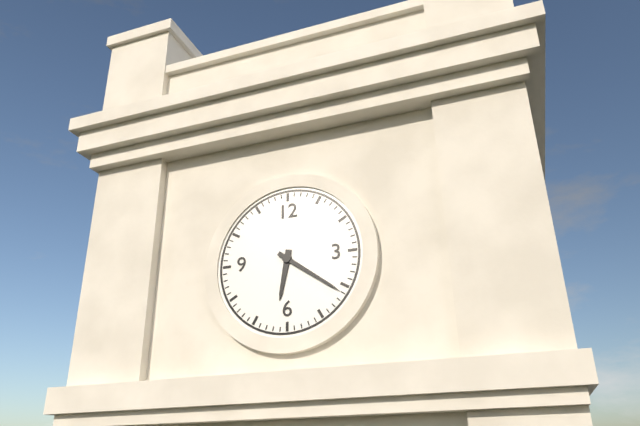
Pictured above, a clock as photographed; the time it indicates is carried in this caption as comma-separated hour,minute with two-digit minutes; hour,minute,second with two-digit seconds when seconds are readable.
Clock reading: 6,21
